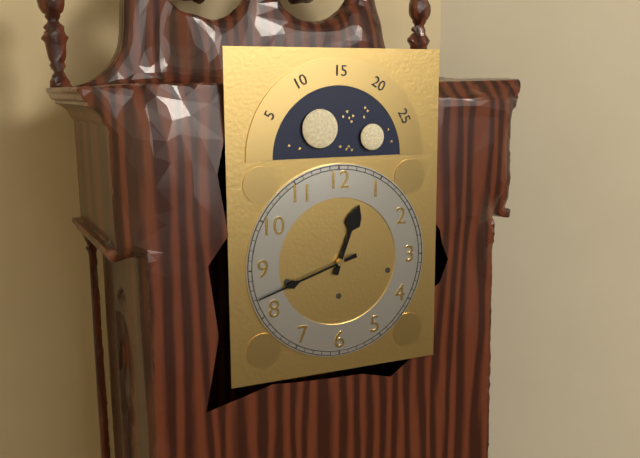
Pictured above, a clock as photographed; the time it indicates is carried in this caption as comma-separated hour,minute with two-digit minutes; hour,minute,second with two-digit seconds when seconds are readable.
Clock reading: 12,42
